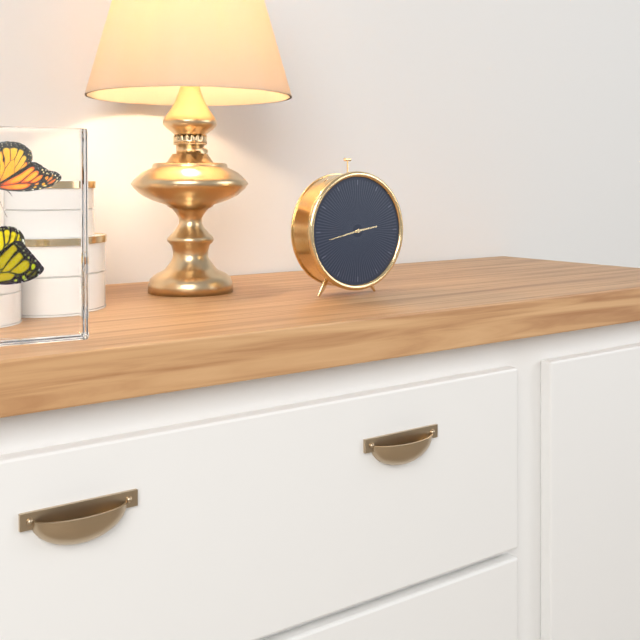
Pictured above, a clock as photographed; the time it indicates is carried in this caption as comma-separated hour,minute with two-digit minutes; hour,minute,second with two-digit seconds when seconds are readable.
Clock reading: 2,43
